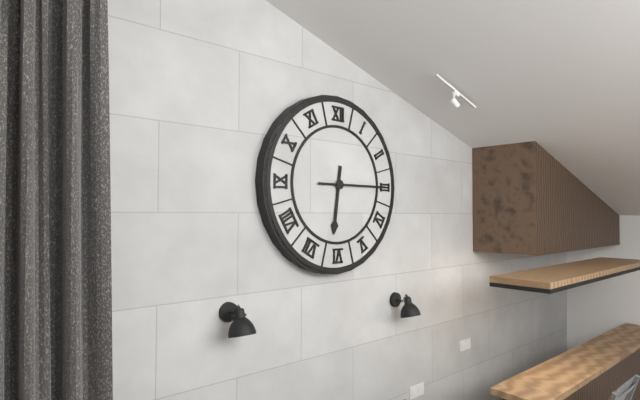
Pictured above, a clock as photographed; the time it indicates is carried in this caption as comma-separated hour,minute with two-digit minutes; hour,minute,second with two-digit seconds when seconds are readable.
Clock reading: 6,15
